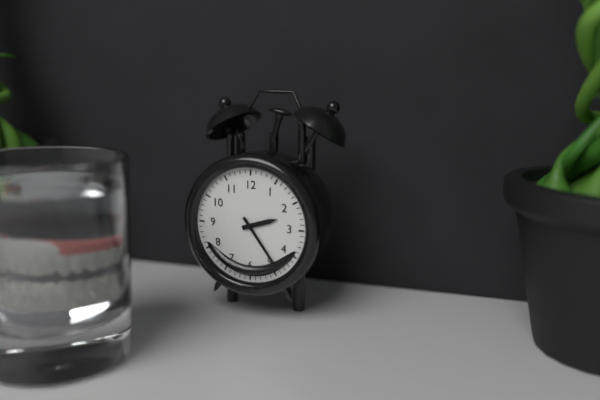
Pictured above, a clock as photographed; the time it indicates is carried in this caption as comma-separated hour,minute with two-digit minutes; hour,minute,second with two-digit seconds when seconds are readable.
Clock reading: 2,24
